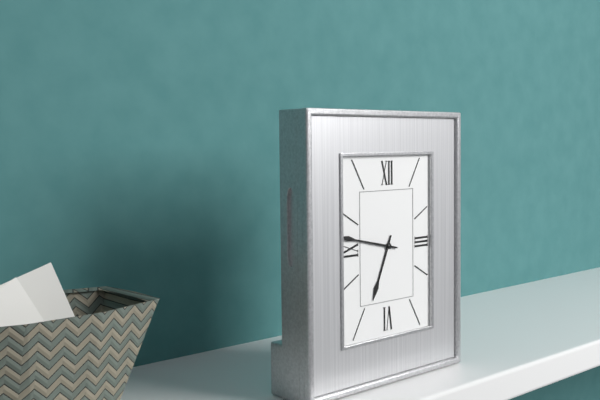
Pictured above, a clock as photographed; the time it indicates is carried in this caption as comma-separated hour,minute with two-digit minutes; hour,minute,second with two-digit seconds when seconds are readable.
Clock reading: 6,47
